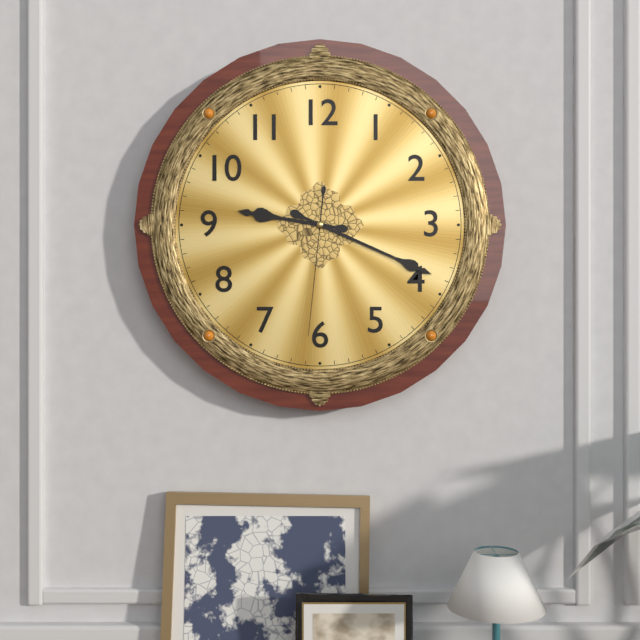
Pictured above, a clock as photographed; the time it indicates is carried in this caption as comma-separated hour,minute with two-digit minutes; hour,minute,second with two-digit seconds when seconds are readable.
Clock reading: 9,19,31
